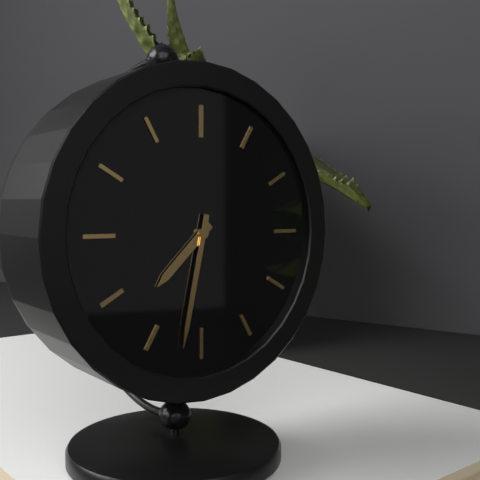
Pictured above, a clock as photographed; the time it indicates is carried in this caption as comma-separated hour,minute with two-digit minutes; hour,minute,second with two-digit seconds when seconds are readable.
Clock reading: 7,32
